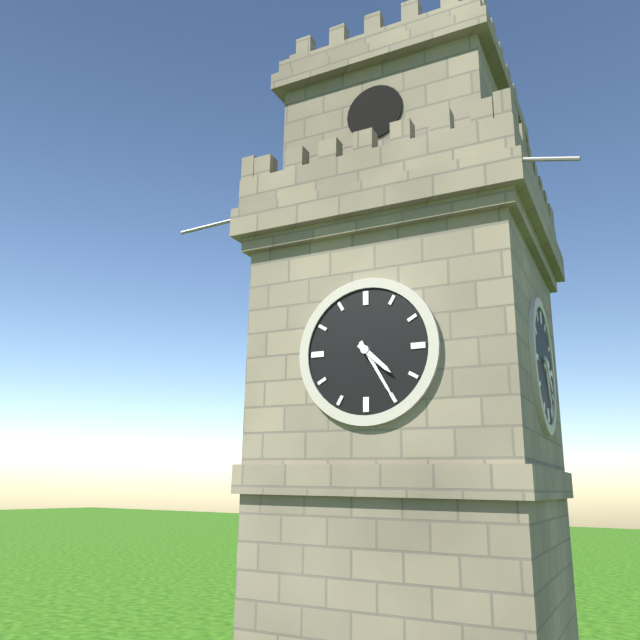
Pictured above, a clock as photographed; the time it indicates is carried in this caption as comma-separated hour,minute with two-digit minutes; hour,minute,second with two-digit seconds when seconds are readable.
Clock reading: 4,25
